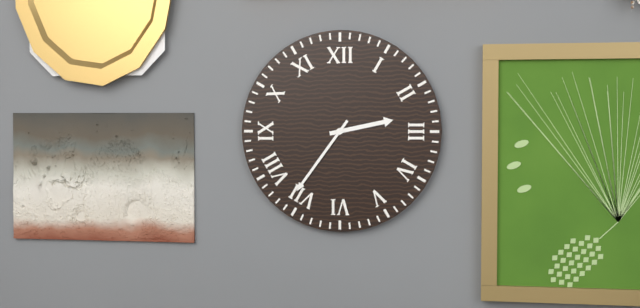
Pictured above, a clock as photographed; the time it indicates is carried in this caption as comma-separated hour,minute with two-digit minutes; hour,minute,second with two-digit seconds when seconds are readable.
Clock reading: 2,36
